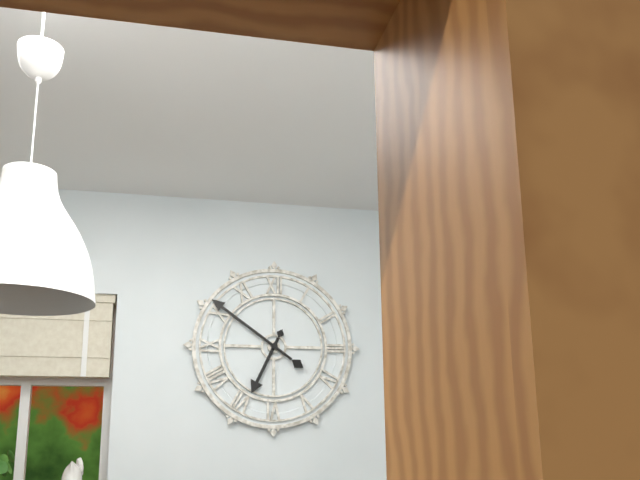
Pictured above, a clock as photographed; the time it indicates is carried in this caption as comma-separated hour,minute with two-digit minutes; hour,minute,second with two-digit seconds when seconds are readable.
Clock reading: 6,51
